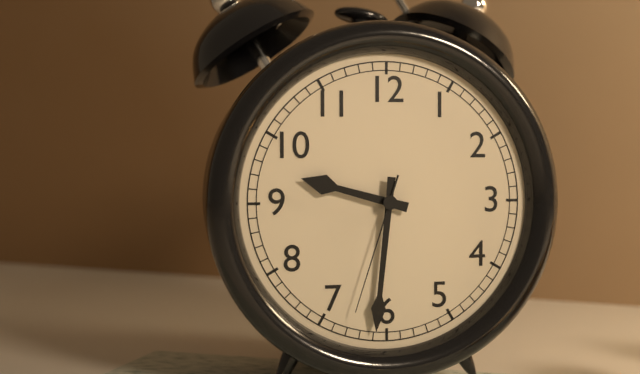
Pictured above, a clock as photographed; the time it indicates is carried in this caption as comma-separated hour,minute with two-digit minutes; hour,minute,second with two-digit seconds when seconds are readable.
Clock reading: 9,31,33
